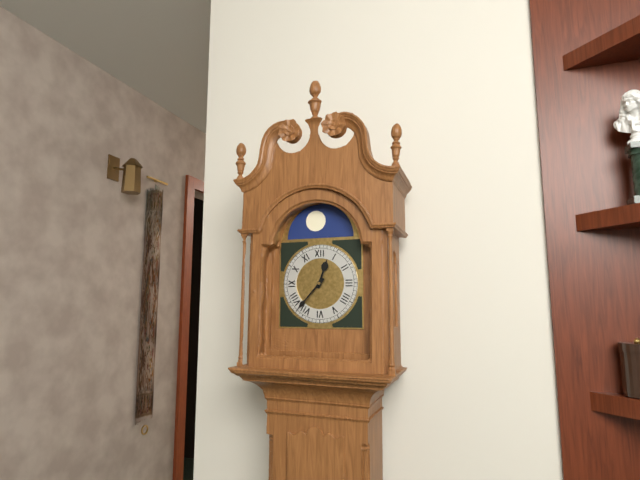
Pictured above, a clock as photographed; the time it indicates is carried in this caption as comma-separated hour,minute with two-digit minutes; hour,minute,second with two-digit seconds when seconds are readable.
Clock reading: 12,37
